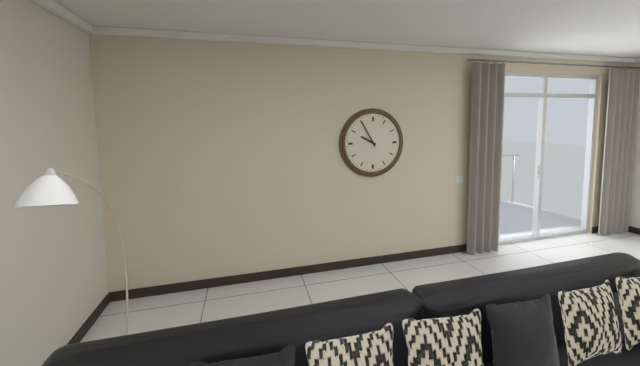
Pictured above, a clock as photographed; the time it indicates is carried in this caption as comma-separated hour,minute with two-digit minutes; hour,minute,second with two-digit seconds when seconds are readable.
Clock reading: 9,55
